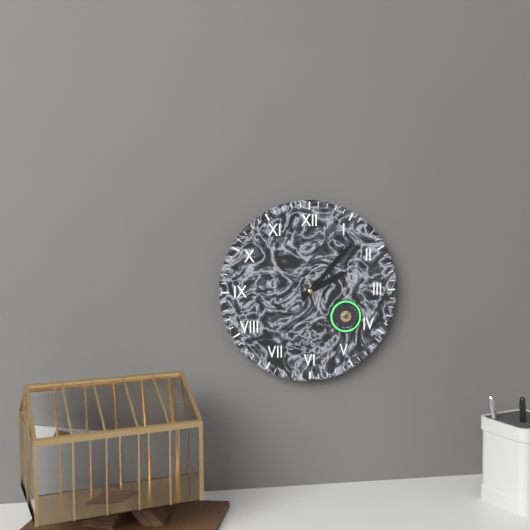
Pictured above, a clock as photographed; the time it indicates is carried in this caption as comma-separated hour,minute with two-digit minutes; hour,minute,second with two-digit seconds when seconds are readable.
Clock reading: 2,07
